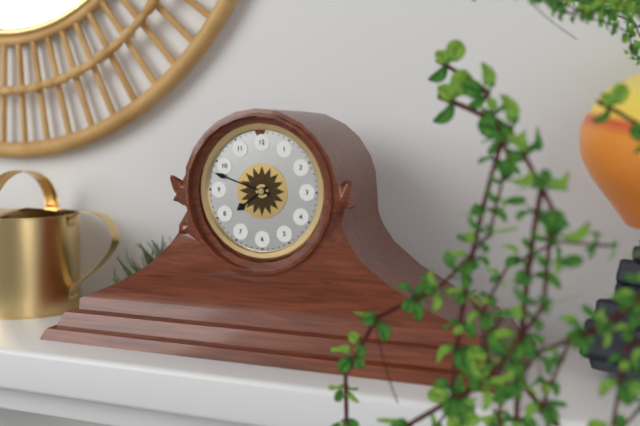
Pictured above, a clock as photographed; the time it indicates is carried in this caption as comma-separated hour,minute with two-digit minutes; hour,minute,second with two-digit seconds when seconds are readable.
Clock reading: 7,48
